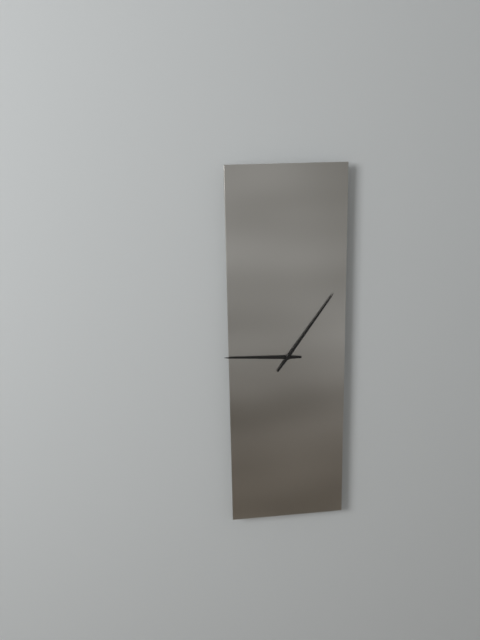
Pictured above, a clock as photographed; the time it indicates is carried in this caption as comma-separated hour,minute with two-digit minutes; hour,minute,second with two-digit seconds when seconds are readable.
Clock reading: 9,06
